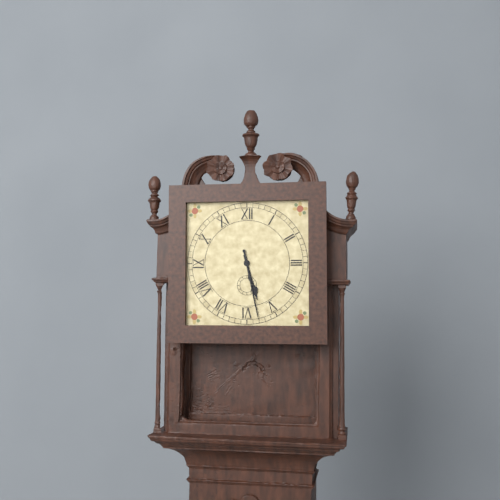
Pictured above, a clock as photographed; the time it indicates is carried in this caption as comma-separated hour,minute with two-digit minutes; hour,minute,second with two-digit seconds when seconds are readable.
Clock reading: 5,28
